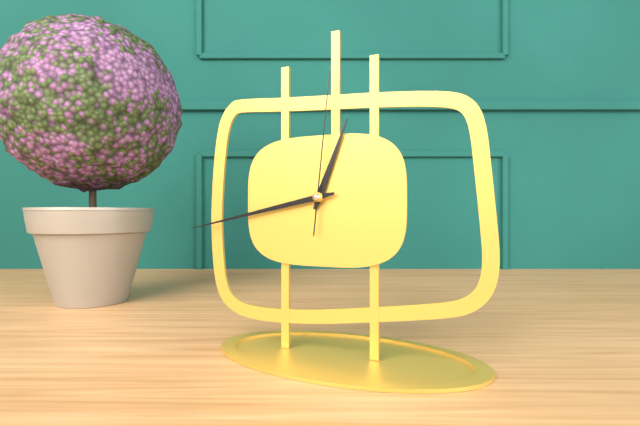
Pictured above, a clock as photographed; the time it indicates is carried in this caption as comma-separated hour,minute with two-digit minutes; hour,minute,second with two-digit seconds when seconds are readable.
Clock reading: 12,43,01
